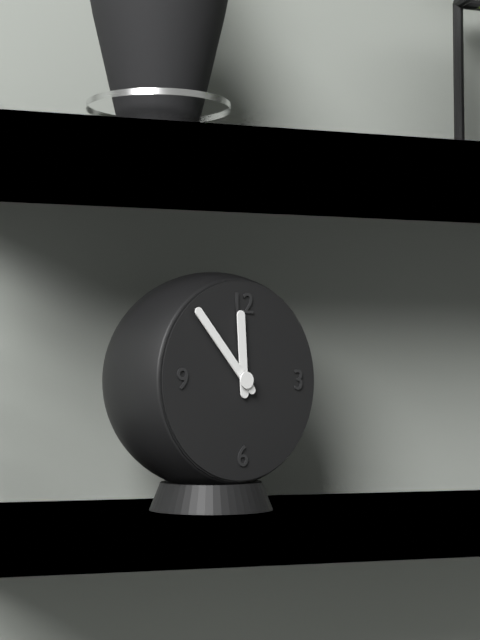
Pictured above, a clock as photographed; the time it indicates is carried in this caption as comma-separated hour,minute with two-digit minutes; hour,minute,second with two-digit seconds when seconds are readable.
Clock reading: 11,53
